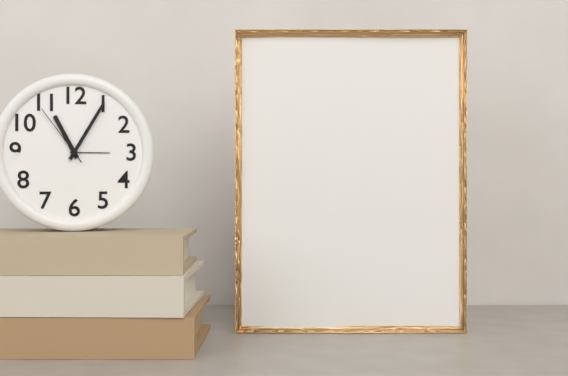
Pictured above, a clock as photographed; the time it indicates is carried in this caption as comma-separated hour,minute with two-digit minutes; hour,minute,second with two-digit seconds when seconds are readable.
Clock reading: 11,05,54
